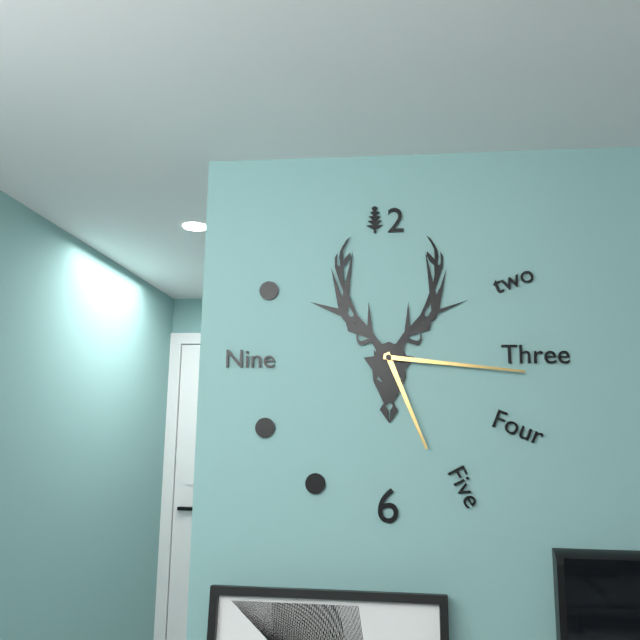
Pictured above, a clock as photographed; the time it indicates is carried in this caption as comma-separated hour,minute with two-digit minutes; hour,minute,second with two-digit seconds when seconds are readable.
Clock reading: 5,16
